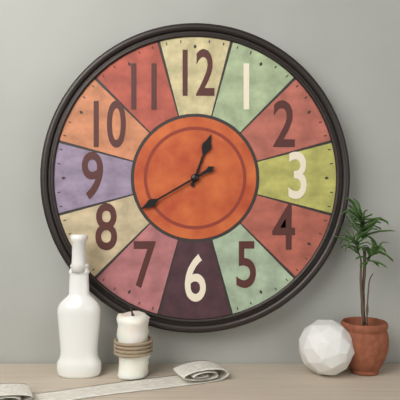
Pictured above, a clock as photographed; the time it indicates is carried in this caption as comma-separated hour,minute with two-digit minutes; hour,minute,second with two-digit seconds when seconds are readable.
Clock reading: 12,40
